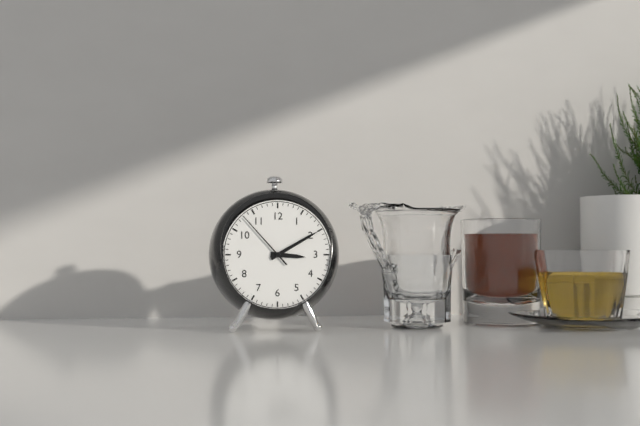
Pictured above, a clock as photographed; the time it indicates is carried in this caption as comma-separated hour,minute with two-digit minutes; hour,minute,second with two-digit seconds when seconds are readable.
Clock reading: 3,10,53
